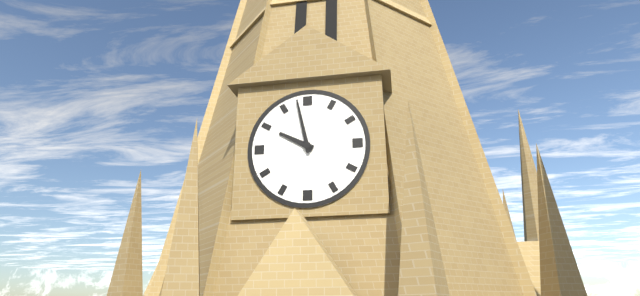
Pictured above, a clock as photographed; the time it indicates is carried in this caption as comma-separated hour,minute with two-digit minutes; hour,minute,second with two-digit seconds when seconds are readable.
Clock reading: 9,58
